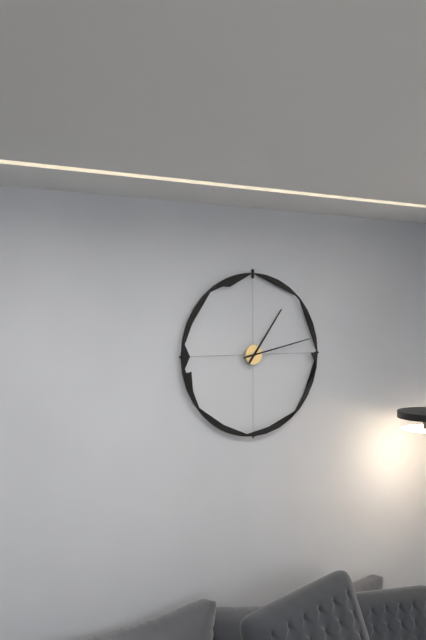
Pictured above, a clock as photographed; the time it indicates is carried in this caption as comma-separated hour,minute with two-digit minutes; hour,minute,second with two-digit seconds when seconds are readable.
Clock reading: 1,13
